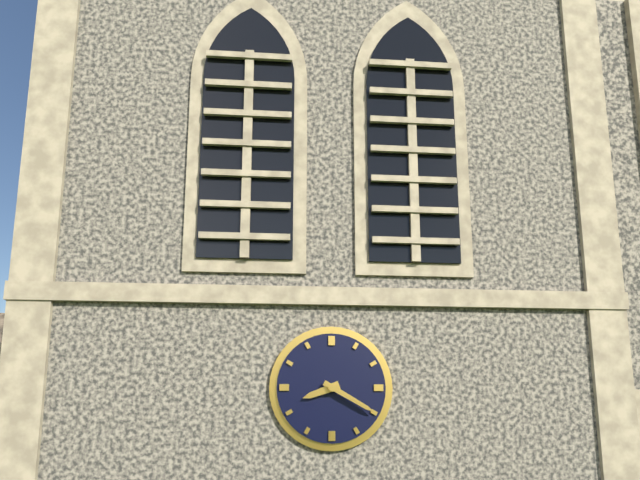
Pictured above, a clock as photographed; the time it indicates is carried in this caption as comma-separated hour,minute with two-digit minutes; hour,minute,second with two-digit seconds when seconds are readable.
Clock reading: 8,20
